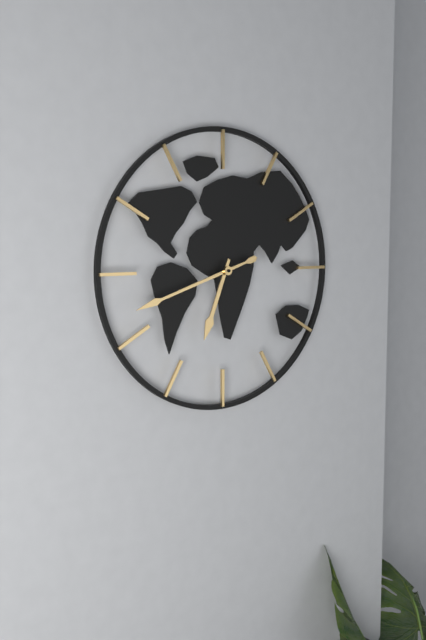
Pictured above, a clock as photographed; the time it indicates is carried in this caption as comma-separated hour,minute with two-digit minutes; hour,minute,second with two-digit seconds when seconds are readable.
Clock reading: 6,42
